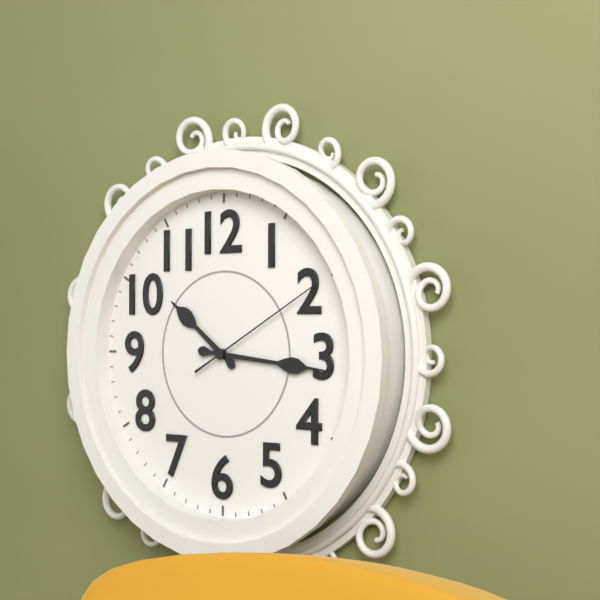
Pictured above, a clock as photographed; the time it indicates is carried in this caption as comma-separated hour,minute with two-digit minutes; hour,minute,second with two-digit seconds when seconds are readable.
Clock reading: 10,16,10
